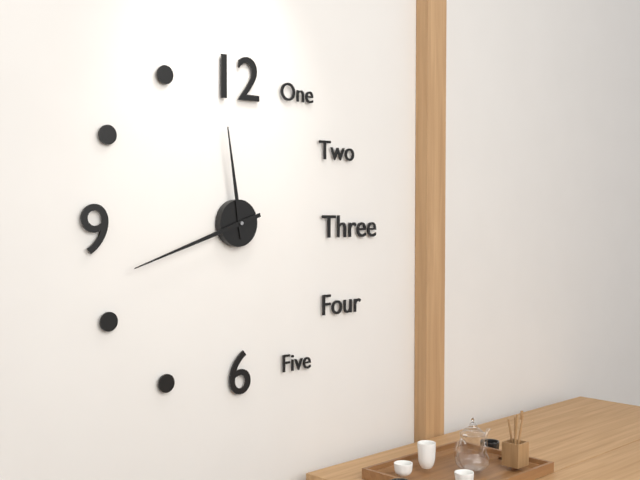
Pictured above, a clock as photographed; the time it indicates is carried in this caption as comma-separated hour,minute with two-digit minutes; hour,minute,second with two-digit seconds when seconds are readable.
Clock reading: 11,42
